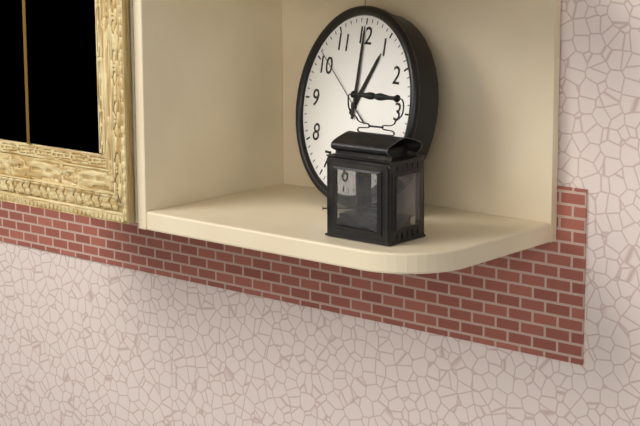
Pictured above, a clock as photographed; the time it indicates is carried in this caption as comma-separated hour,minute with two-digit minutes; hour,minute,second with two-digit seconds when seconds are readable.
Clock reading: 1,00,51
